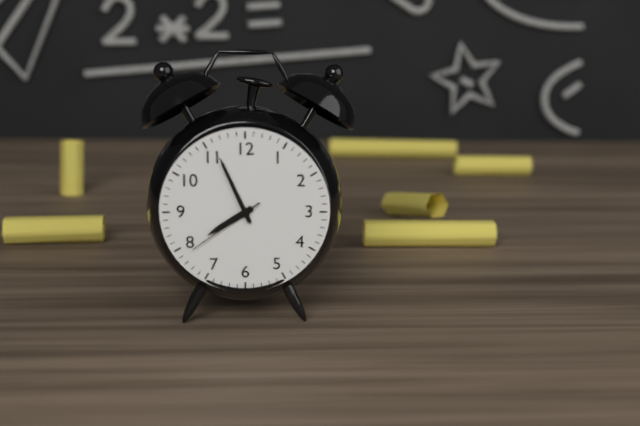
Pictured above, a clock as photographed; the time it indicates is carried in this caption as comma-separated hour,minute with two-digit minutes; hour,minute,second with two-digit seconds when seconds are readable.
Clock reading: 7,56,39
